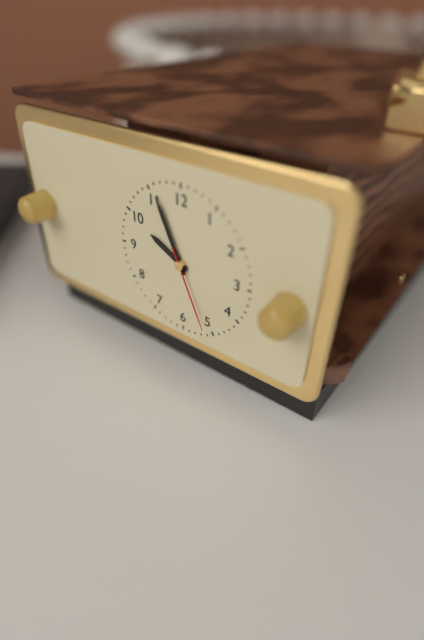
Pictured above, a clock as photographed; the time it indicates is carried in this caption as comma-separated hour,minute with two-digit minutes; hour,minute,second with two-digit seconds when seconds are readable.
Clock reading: 9,56,26
